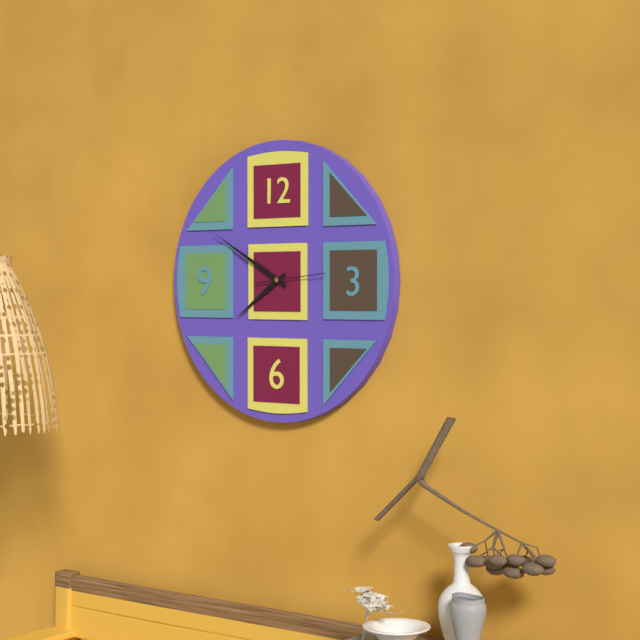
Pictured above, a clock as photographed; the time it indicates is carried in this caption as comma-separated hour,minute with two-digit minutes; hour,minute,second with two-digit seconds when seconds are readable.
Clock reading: 7,50,14
